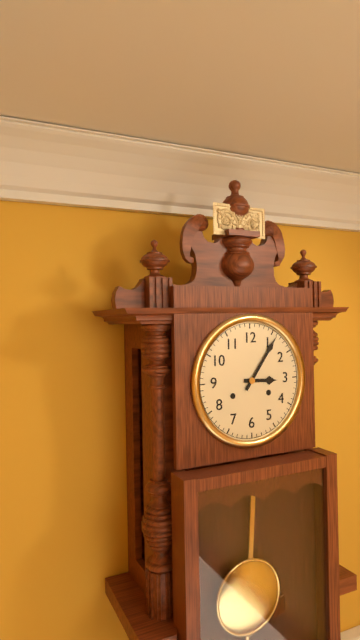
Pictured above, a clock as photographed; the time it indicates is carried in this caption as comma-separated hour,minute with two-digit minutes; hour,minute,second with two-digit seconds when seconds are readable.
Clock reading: 3,06
